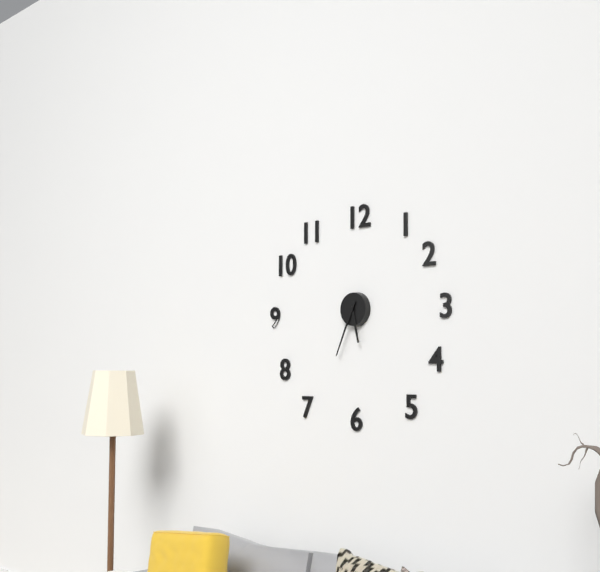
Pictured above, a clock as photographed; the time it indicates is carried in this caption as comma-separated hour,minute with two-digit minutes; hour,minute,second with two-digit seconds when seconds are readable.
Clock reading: 5,34
